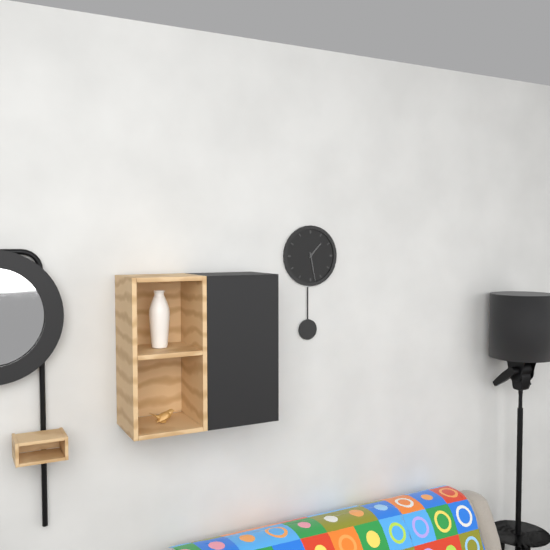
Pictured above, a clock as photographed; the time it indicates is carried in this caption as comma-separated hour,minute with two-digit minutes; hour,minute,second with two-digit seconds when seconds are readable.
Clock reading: 1,28
